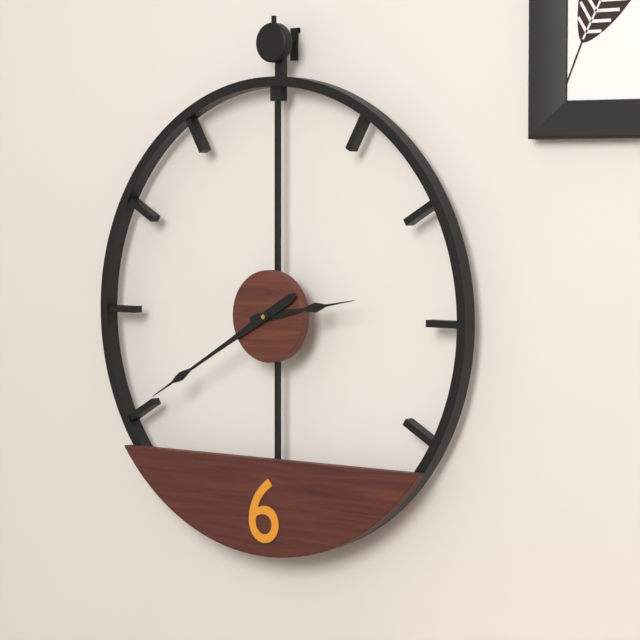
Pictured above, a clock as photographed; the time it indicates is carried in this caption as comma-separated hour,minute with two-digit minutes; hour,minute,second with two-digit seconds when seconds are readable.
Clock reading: 2,40
